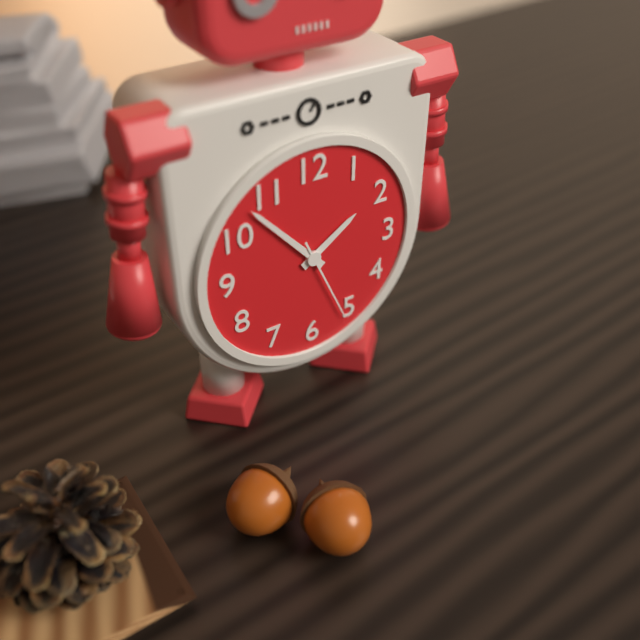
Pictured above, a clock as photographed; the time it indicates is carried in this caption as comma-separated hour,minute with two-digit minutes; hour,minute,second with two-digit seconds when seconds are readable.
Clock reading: 1,53,26
